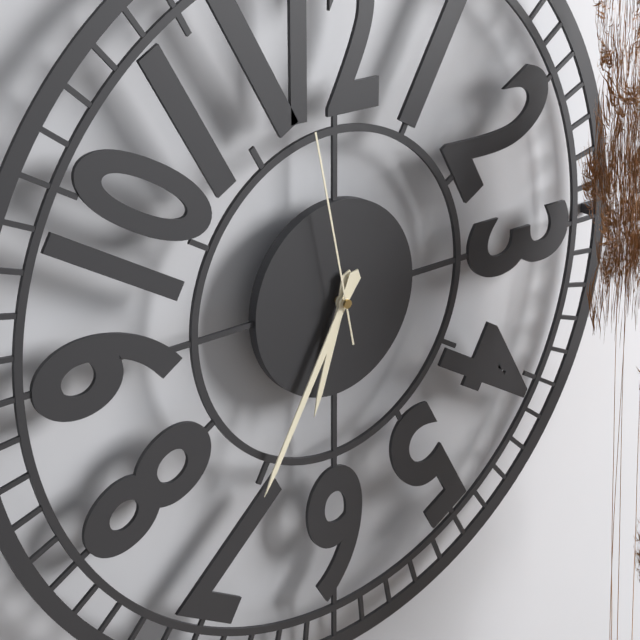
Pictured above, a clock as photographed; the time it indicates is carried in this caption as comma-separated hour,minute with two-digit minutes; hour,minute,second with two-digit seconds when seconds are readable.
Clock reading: 6,35,58
